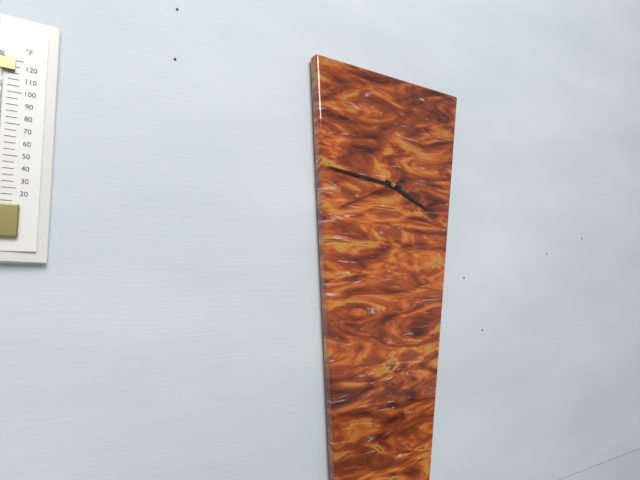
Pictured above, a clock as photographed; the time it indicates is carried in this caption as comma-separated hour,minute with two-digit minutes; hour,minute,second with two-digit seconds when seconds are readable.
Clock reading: 3,46,41
